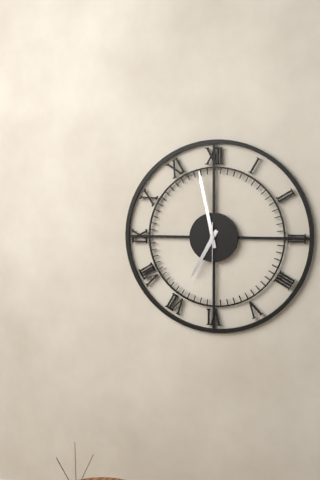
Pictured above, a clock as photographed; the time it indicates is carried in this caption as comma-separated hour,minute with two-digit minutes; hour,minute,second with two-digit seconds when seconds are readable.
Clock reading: 6,58,30
